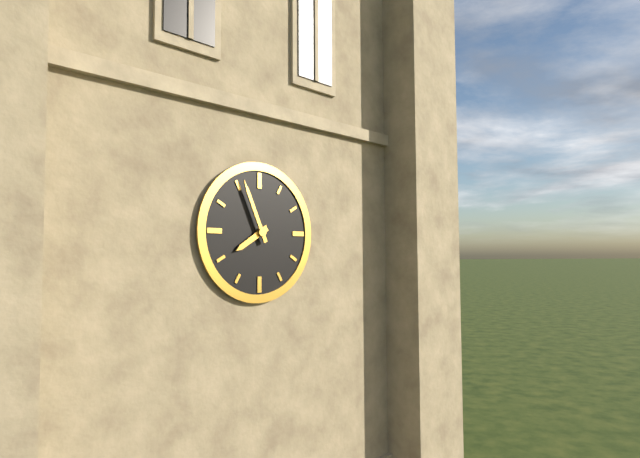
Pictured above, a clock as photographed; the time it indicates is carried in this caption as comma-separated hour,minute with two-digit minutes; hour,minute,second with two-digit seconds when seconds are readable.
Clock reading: 7,56
